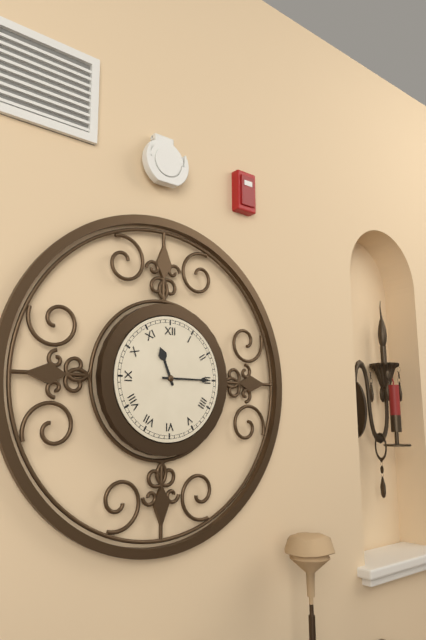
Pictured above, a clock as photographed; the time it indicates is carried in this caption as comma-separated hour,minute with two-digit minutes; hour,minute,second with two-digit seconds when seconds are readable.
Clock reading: 11,15
